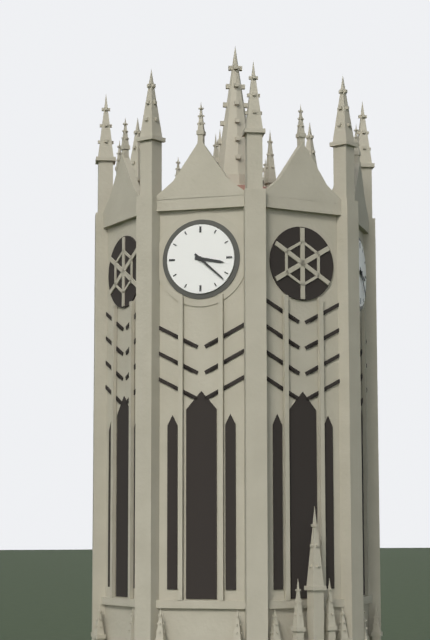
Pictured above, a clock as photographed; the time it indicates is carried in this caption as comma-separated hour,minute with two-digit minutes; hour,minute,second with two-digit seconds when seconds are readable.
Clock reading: 3,22
